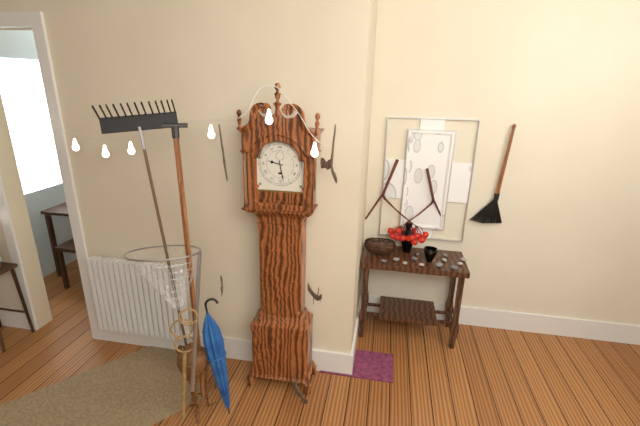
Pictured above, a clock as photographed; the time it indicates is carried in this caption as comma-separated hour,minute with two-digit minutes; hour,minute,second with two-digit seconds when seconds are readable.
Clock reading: 9,28
